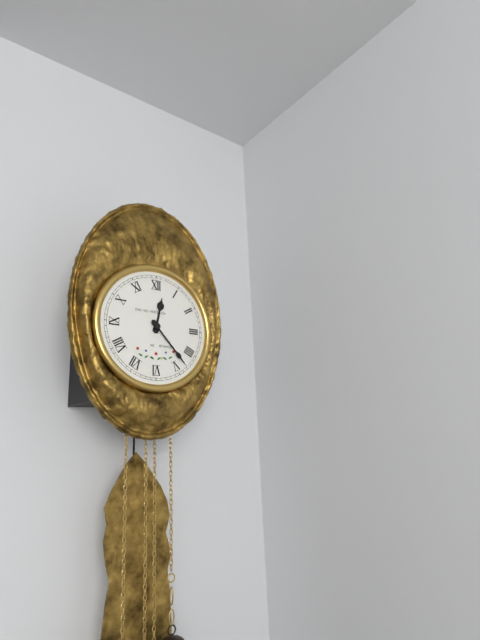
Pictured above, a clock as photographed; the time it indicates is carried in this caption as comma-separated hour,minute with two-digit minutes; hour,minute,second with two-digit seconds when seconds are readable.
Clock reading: 12,23
